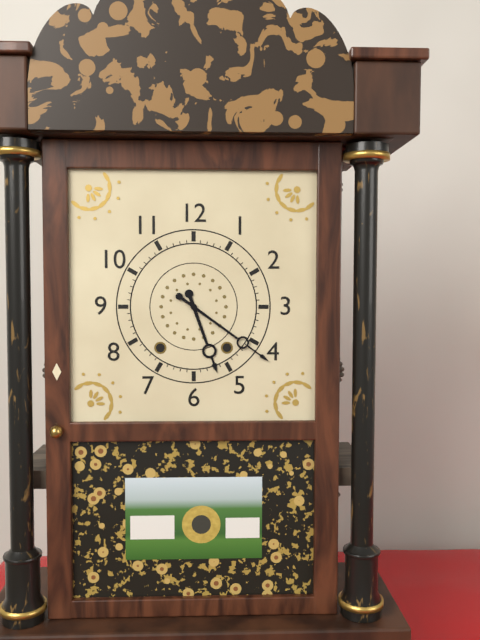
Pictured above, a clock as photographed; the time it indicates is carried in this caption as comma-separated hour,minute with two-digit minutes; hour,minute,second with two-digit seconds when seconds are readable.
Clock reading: 5,21
